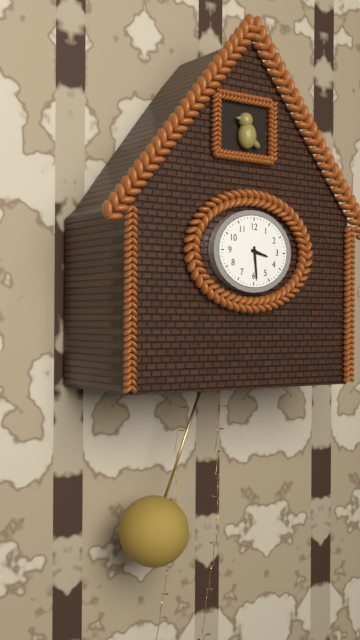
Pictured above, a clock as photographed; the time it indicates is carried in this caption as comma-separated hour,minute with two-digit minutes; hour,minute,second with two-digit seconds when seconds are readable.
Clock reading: 3,29
